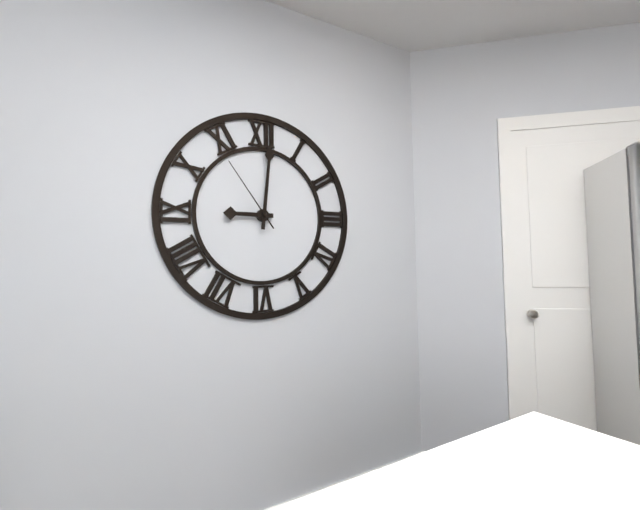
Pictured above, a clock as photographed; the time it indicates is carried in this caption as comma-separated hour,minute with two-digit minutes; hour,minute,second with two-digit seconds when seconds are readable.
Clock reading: 9,01,54
